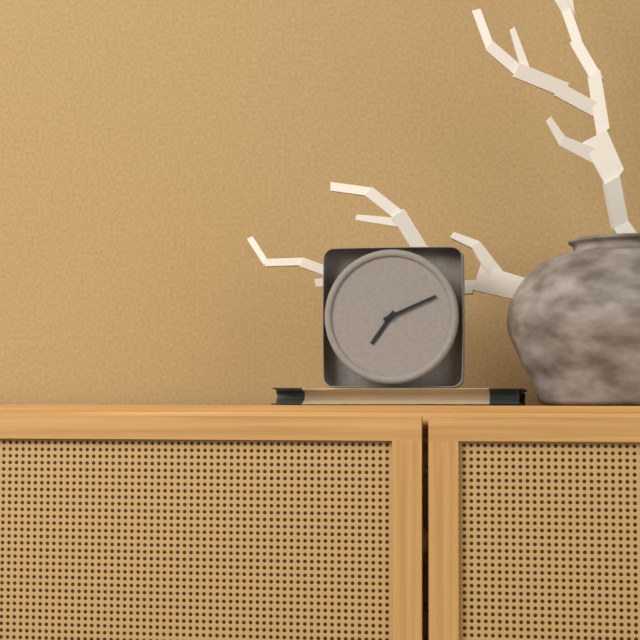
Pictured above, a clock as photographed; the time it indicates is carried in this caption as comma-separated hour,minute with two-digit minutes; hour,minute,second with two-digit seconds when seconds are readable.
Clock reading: 7,11
